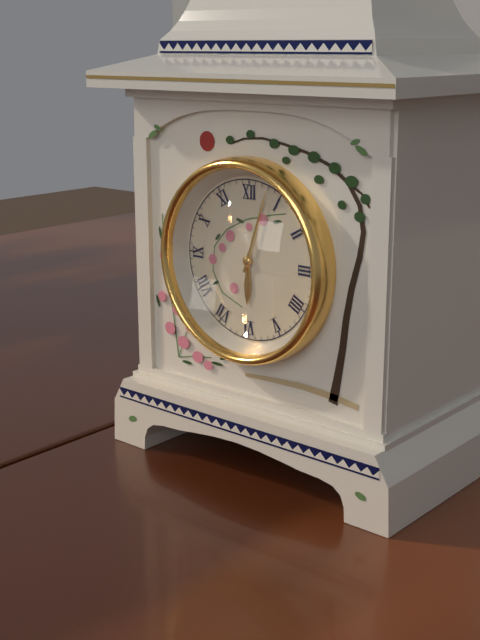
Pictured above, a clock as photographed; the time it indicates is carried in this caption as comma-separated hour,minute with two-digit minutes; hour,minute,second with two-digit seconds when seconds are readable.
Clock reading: 6,03
